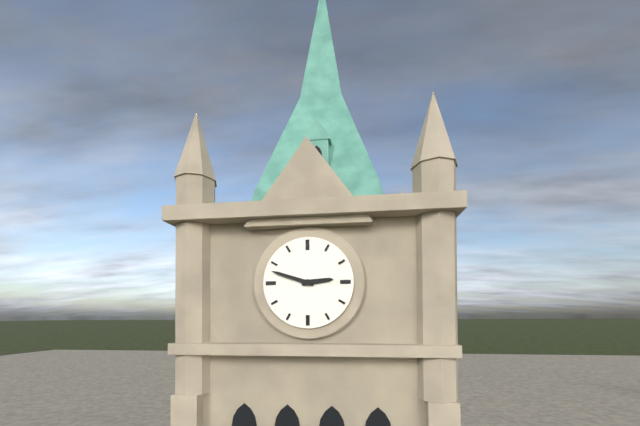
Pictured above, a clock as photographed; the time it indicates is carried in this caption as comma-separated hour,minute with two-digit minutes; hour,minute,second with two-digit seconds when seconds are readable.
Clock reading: 2,48
